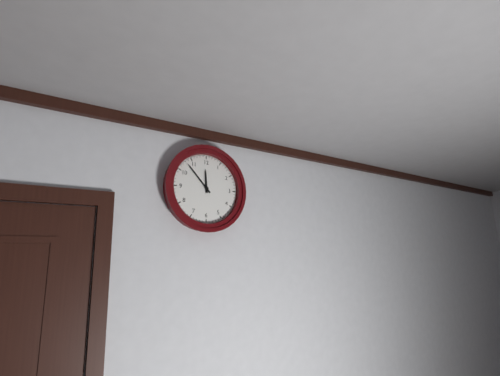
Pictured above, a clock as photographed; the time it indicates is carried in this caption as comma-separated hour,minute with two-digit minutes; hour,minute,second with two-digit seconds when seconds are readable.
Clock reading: 11,53
